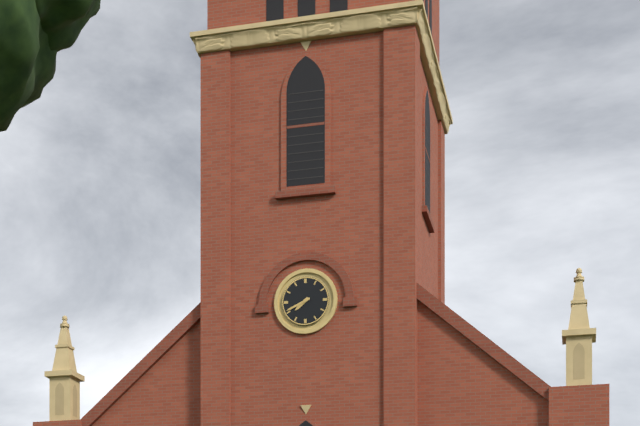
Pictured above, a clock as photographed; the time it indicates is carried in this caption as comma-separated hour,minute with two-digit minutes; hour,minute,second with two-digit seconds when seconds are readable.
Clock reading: 7,41
